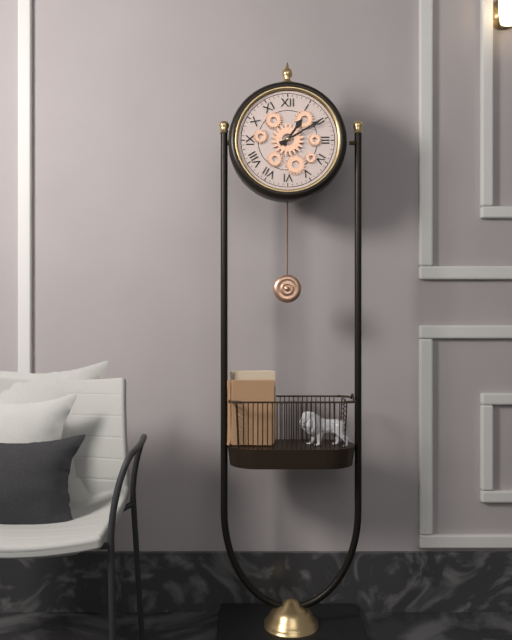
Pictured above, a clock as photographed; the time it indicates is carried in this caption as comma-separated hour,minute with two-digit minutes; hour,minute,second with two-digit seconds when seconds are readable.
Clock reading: 1,10
